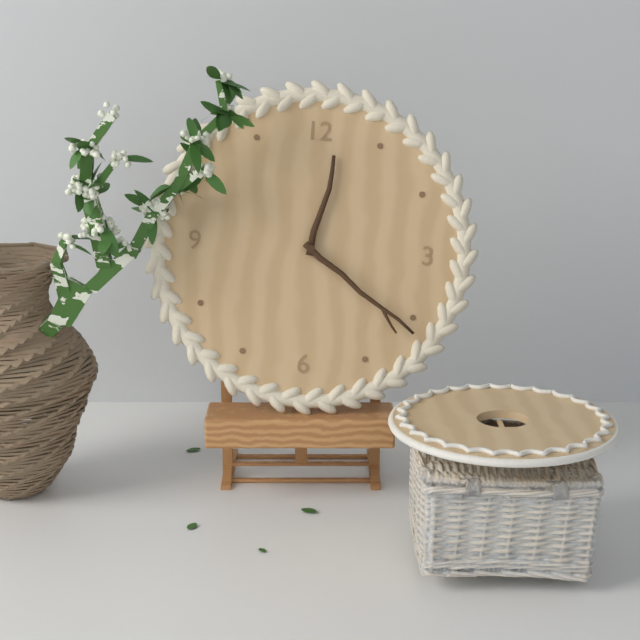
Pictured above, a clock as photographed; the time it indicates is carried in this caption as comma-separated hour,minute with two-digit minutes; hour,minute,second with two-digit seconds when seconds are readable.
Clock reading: 12,21
